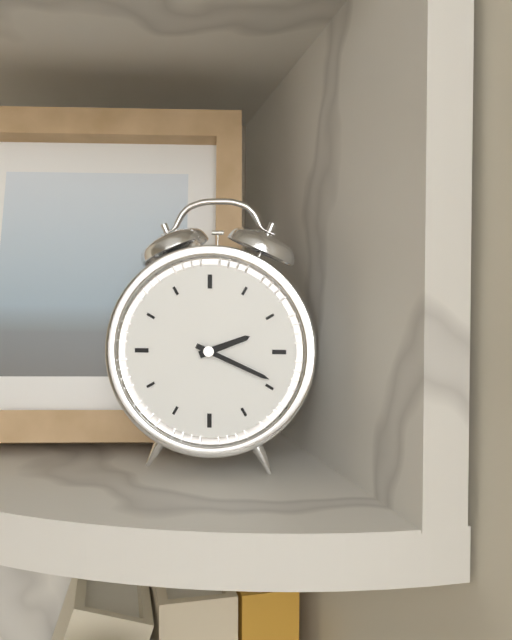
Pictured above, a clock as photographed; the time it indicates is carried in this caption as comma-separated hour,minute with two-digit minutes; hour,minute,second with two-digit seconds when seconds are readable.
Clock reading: 2,19
